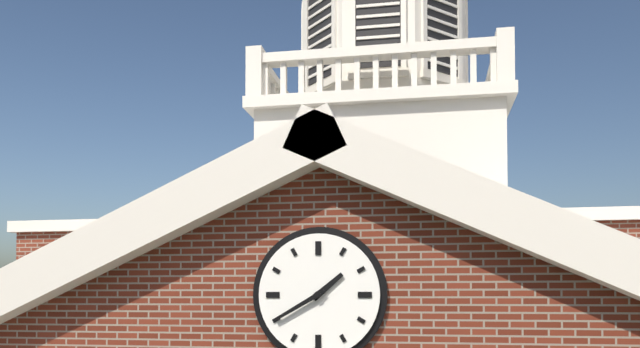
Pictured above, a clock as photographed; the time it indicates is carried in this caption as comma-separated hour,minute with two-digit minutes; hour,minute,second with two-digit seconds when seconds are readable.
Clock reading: 1,40
